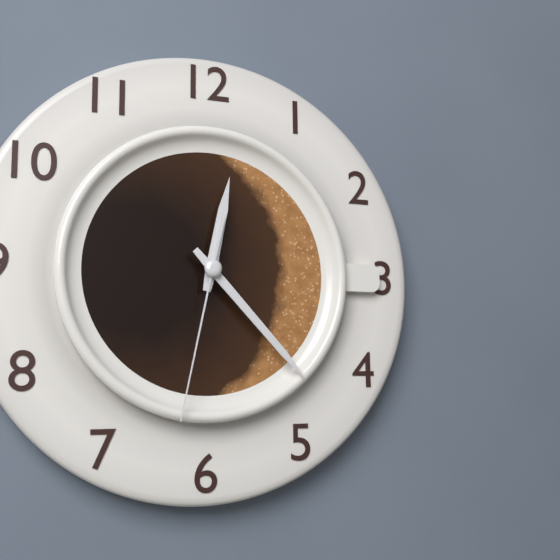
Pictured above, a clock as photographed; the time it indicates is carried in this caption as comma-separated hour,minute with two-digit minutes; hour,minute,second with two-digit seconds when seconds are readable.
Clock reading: 12,23,32
